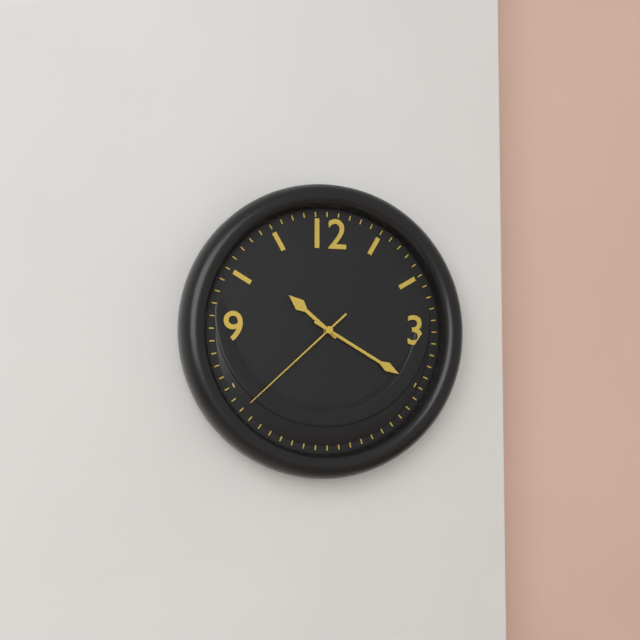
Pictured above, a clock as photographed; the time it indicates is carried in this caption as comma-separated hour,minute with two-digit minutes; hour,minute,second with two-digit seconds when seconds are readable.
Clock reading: 10,20,38
